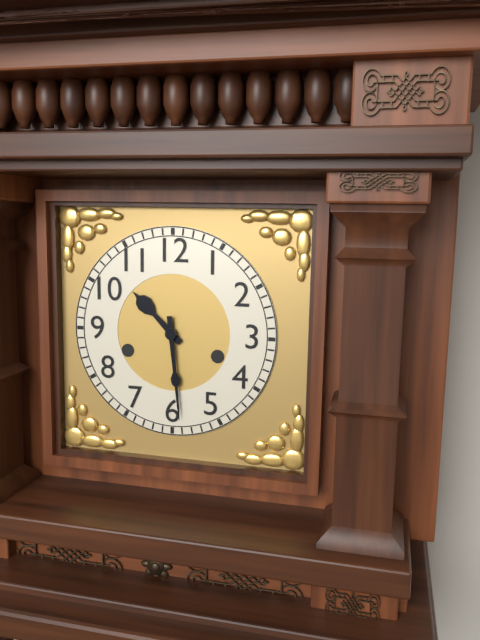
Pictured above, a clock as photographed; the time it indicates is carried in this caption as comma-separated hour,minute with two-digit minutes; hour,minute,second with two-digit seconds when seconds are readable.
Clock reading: 10,29
